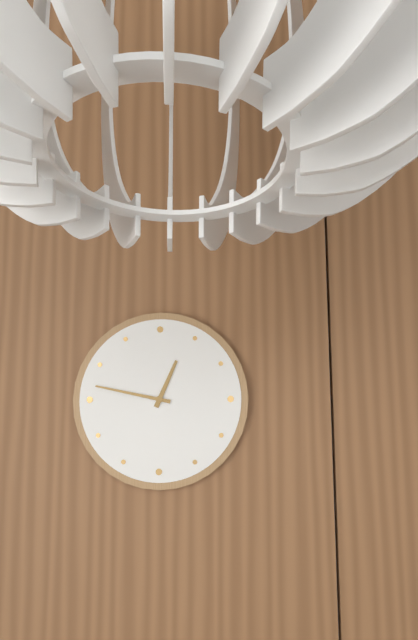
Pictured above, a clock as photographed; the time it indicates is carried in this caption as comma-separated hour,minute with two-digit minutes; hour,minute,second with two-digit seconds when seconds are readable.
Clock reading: 12,47
